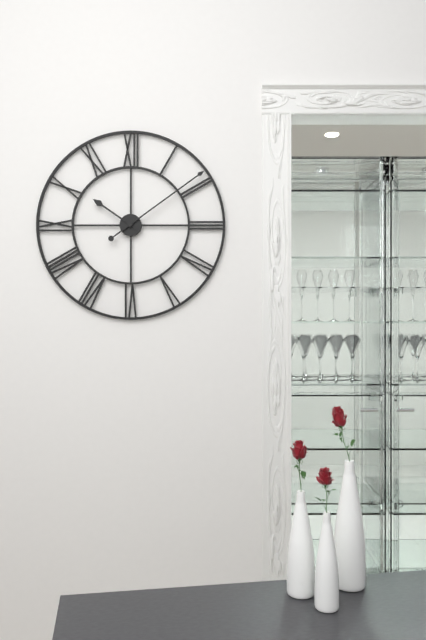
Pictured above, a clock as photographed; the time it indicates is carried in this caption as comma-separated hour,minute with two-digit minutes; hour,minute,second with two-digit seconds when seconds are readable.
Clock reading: 10,09
